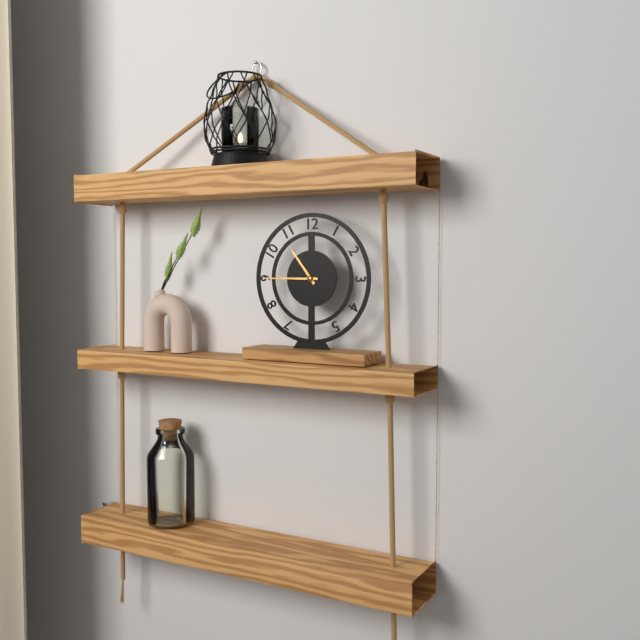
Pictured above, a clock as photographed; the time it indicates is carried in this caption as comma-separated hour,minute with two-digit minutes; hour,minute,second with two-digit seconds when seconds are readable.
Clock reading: 10,45
